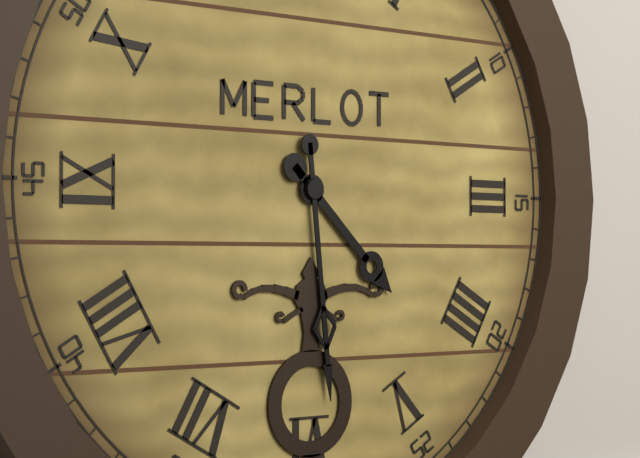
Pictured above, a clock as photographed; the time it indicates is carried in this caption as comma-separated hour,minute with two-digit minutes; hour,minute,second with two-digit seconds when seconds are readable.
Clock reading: 4,29
